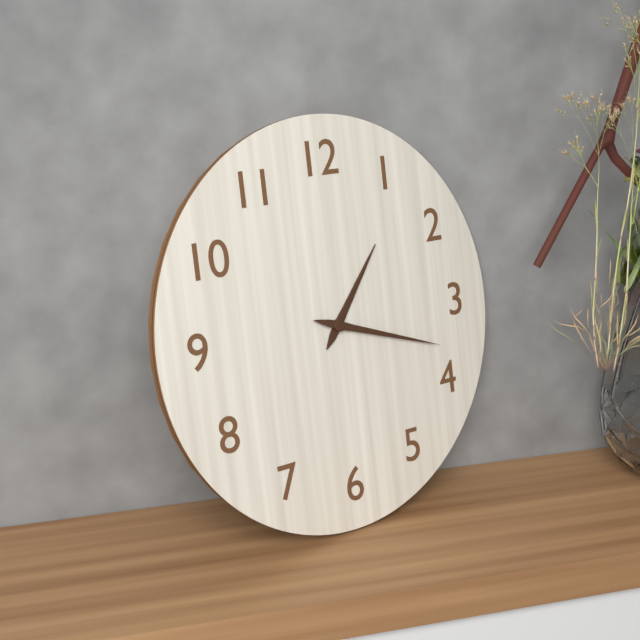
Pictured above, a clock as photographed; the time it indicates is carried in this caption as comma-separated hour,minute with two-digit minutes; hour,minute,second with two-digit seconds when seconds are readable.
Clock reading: 1,18
